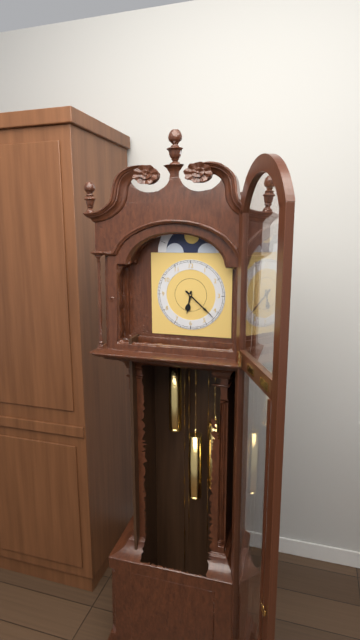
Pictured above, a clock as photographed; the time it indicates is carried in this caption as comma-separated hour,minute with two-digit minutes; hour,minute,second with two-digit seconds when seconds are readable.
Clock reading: 6,22
